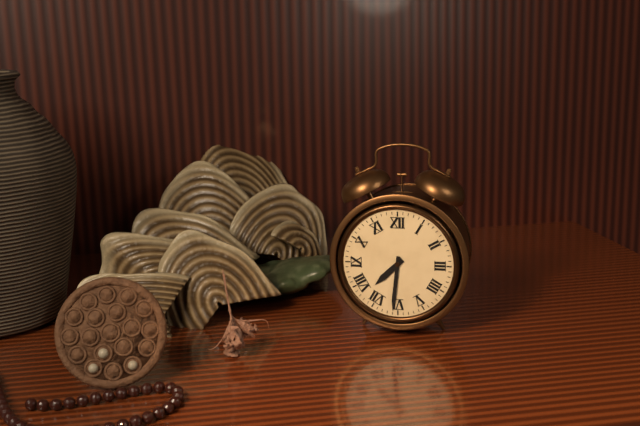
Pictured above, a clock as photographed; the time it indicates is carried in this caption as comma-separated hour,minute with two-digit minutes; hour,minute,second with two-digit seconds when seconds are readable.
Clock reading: 7,31
